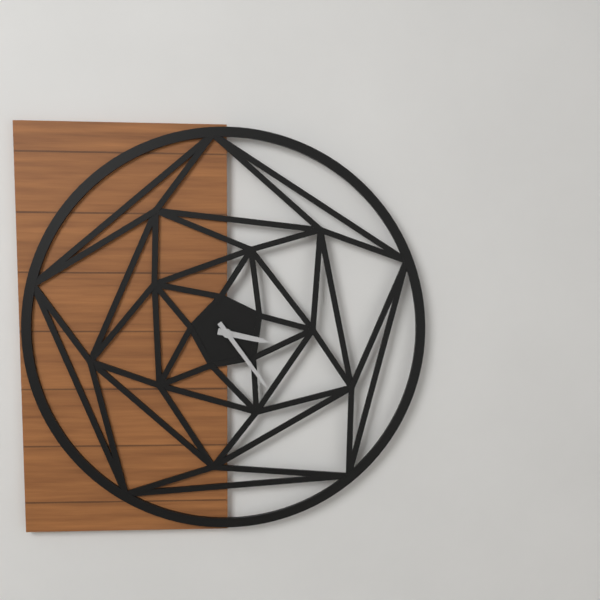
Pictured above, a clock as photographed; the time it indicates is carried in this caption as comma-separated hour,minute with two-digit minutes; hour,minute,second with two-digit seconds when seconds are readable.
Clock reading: 3,24
